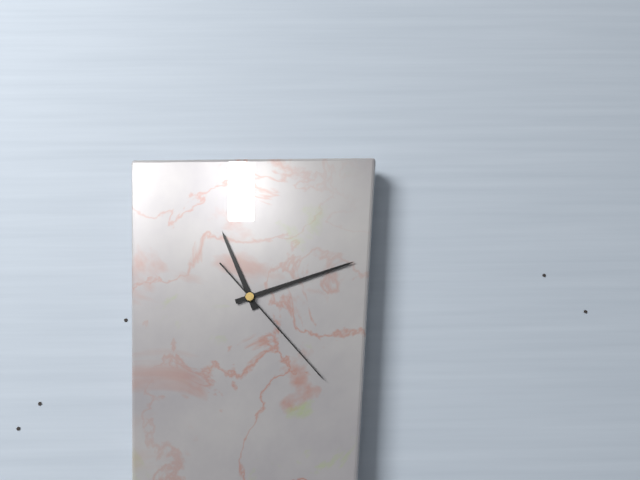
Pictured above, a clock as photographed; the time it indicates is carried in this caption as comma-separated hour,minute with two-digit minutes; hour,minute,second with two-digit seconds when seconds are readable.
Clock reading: 11,12,23
